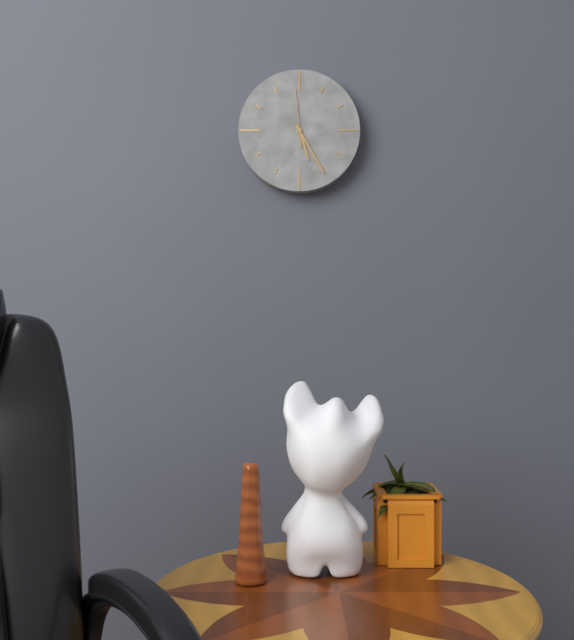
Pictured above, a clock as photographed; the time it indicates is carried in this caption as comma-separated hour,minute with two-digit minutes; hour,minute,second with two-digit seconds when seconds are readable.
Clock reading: 5,25,59
